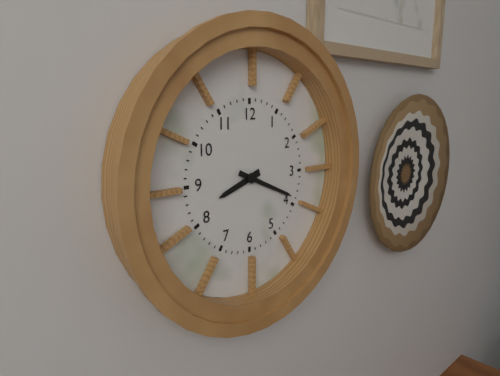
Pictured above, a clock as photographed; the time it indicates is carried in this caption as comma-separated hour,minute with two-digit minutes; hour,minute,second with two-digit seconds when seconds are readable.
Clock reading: 8,19
